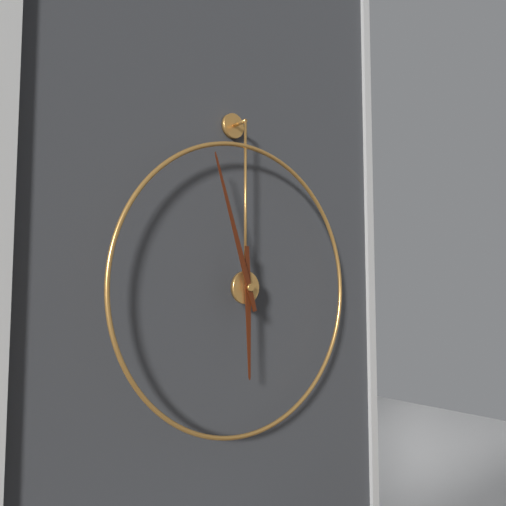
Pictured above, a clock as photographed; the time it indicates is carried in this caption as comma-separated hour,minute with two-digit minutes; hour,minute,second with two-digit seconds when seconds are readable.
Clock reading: 5,57
